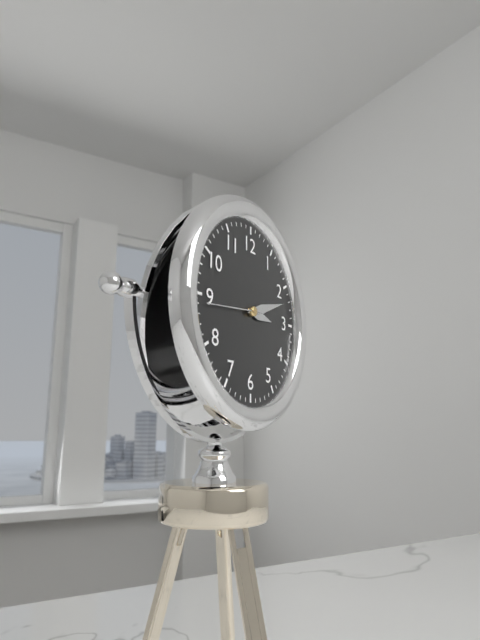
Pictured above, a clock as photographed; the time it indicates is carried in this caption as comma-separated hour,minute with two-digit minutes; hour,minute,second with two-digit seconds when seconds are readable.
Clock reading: 3,12,44
